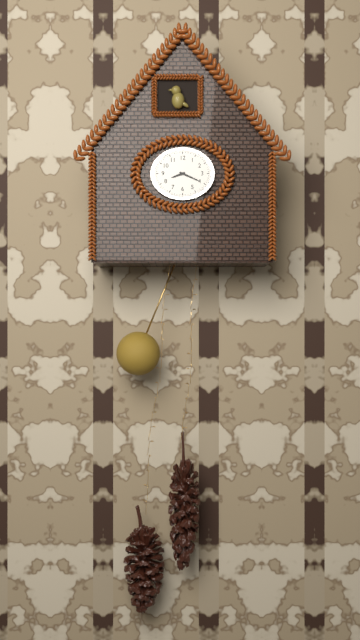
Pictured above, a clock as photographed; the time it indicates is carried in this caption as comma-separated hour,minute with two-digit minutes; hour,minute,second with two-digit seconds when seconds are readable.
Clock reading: 8,19
